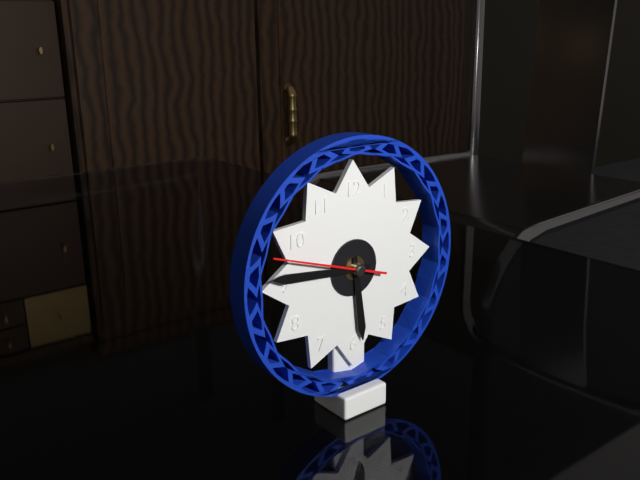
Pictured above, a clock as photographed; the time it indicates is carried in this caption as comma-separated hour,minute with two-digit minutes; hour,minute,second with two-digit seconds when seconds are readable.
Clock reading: 5,46,48
